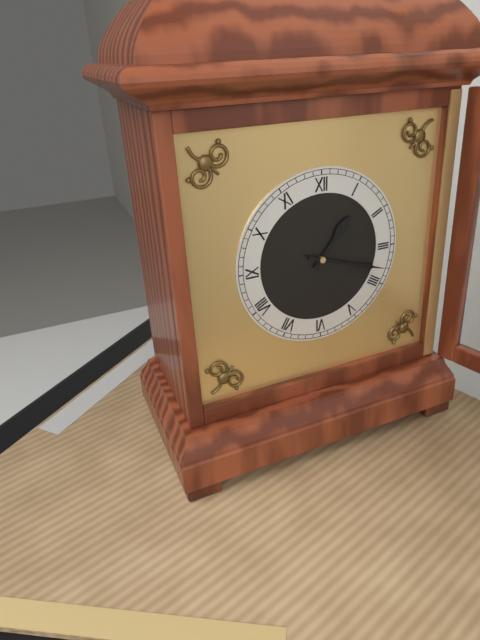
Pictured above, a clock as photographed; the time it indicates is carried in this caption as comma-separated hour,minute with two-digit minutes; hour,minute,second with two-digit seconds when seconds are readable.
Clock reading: 1,18
